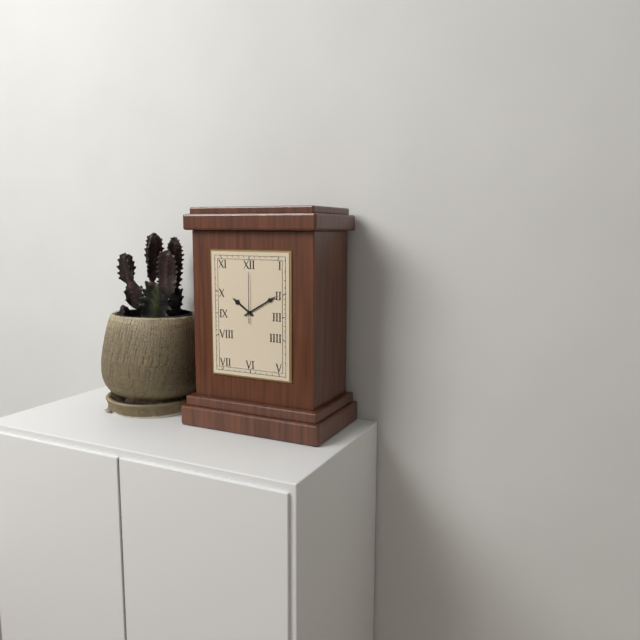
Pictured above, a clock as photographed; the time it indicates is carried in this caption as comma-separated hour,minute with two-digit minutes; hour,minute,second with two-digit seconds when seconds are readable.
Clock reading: 10,10,00
